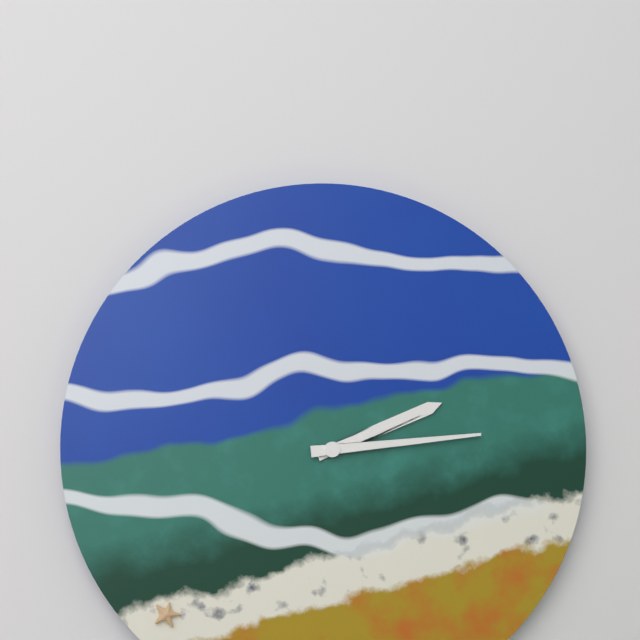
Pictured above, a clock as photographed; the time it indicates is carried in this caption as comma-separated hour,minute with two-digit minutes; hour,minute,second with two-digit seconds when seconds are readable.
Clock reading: 2,14
